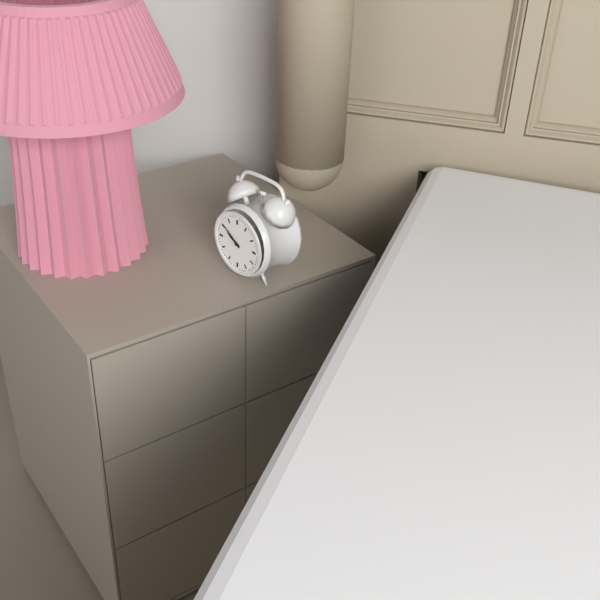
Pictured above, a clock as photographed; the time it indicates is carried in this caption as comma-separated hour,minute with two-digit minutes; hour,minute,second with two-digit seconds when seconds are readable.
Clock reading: 9,51
